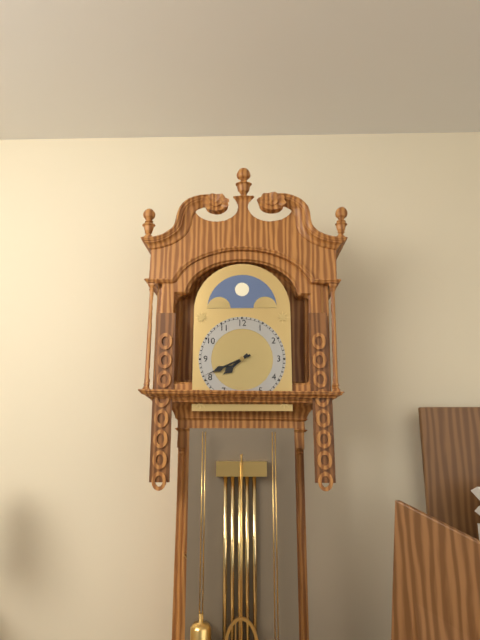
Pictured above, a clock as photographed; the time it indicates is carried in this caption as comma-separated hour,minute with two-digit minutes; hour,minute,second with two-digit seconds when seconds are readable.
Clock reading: 7,41
